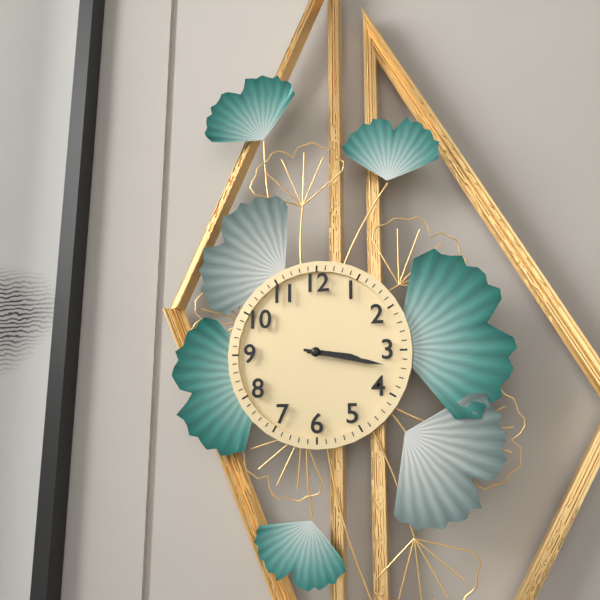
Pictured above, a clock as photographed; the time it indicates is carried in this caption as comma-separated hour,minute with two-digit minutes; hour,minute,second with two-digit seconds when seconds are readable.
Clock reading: 3,17
